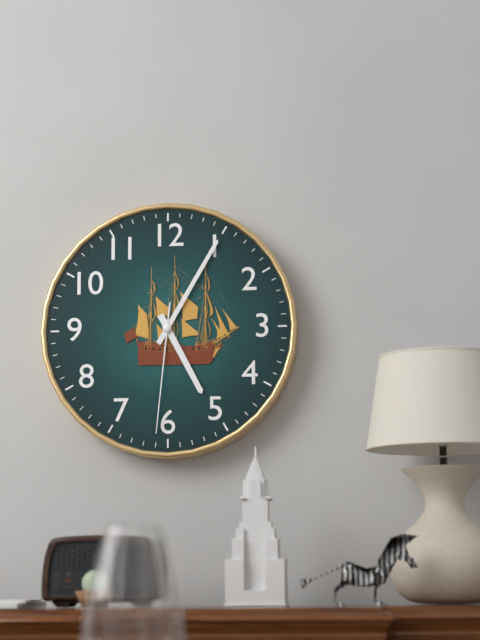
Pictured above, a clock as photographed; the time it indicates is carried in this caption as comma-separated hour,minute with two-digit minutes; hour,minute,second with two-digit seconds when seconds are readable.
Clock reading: 5,05,31
